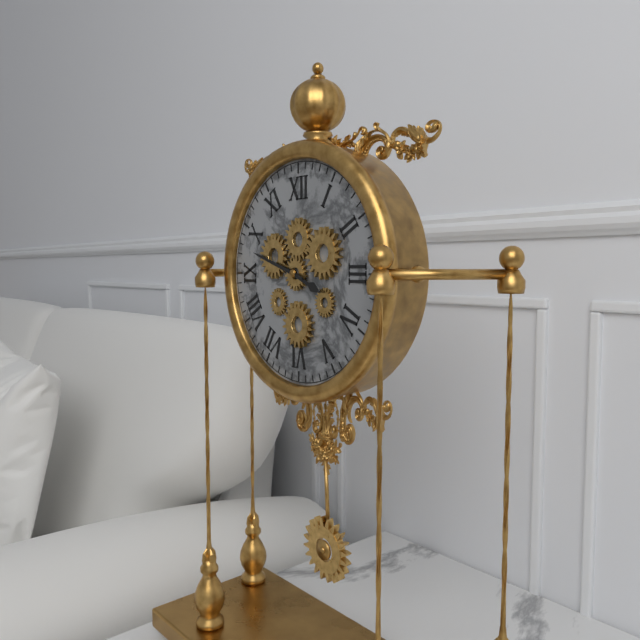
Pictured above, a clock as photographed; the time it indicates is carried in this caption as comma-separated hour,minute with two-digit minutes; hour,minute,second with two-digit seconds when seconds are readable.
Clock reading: 3,48
